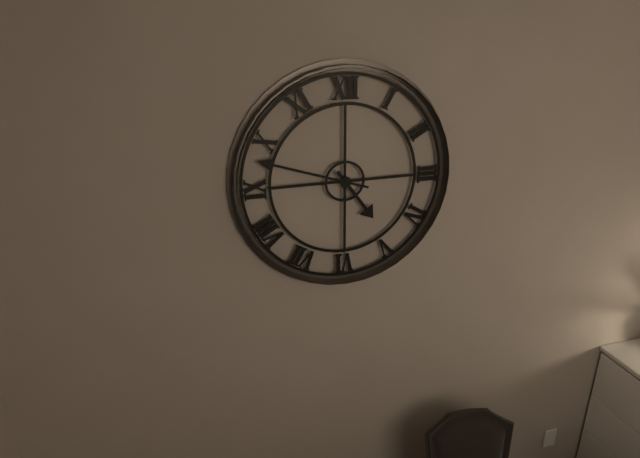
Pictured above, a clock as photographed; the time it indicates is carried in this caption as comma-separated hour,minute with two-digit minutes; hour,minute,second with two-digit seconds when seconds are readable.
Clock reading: 4,48
